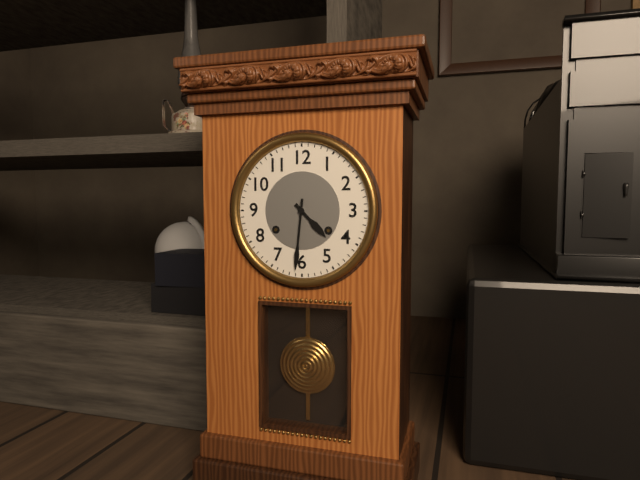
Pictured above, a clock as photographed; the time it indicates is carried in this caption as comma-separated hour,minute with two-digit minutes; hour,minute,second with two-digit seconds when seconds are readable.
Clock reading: 4,31
